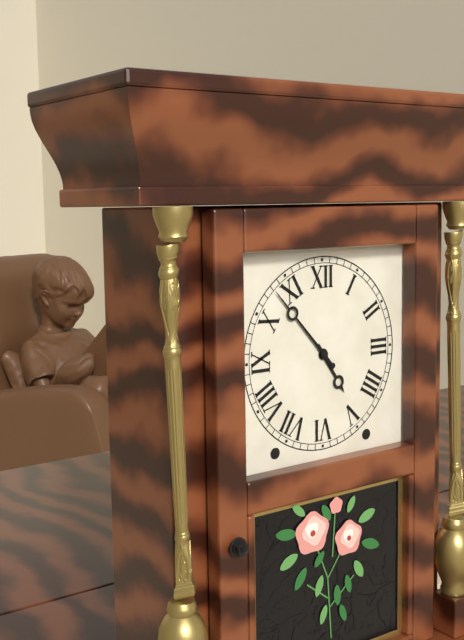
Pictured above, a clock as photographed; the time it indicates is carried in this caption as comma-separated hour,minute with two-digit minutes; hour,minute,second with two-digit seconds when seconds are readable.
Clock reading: 4,53
